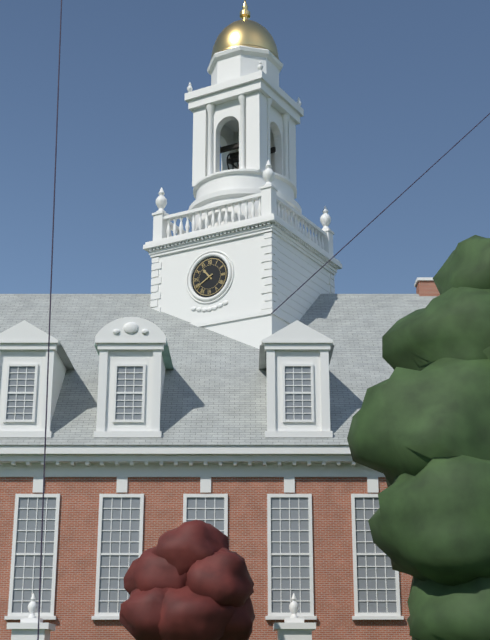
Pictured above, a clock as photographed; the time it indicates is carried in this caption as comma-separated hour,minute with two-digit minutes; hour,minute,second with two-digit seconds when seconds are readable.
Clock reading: 10,40
